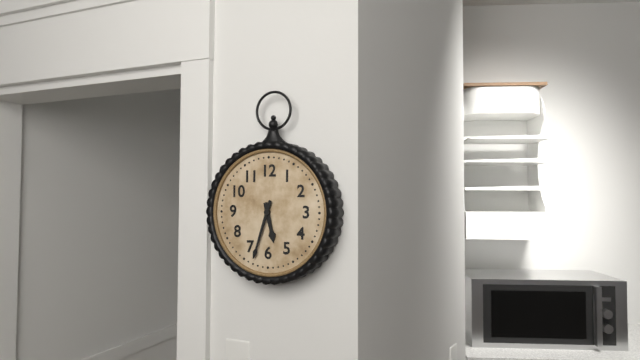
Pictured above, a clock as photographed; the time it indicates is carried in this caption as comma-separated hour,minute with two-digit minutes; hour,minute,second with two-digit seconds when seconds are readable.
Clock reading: 5,33
